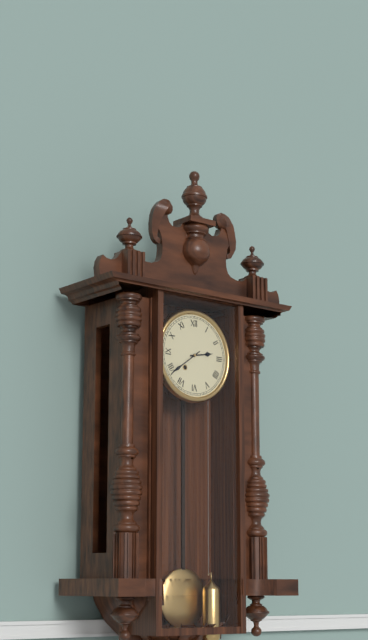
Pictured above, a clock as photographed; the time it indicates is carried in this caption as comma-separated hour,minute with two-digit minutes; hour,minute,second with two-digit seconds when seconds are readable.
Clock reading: 2,39
